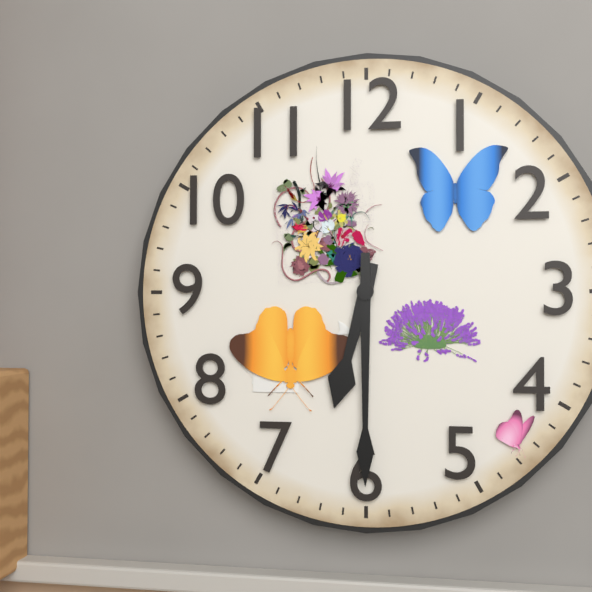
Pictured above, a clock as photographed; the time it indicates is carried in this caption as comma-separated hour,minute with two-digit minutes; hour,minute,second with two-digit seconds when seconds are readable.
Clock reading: 6,30
